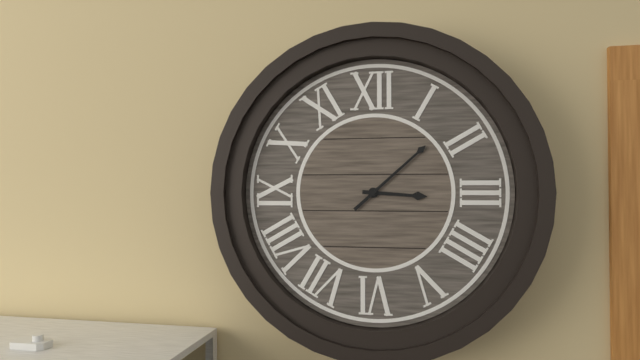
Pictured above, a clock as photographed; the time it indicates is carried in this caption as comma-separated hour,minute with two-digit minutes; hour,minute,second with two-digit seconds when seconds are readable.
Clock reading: 3,08
